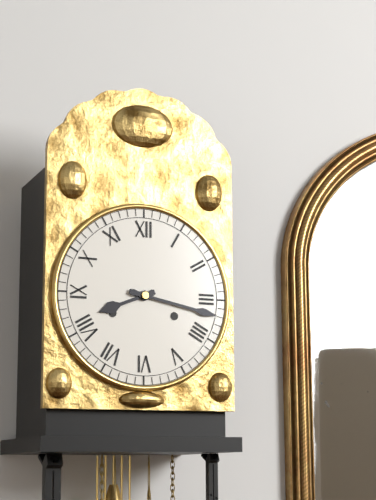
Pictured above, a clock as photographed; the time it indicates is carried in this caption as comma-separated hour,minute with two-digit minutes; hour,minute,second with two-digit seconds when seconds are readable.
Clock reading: 8,17
